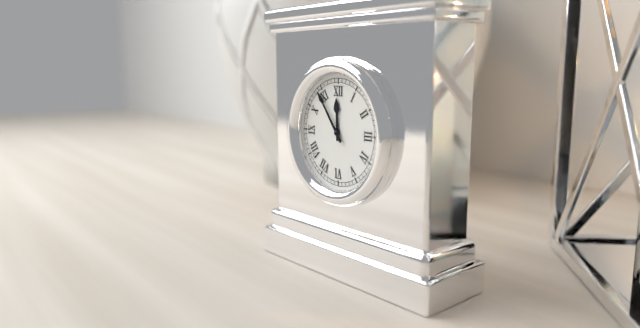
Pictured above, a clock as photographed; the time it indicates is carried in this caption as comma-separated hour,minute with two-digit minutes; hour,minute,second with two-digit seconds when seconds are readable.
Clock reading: 11,54
